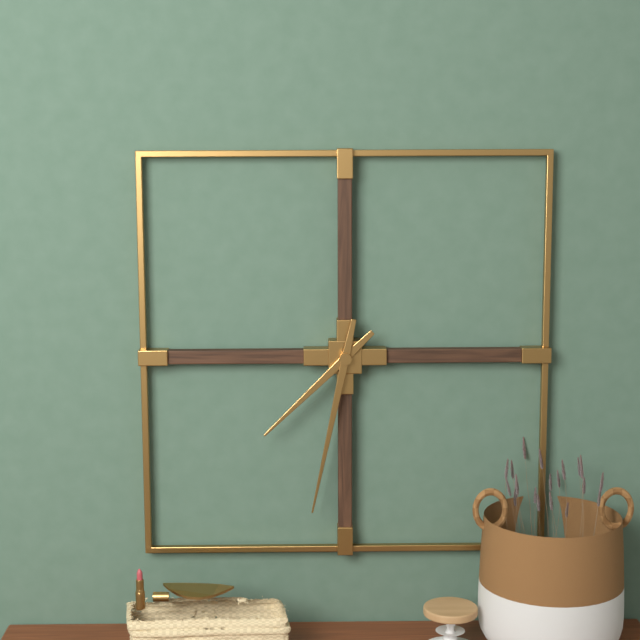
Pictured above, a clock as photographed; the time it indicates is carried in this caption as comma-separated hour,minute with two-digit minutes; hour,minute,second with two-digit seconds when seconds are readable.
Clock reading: 7,32
